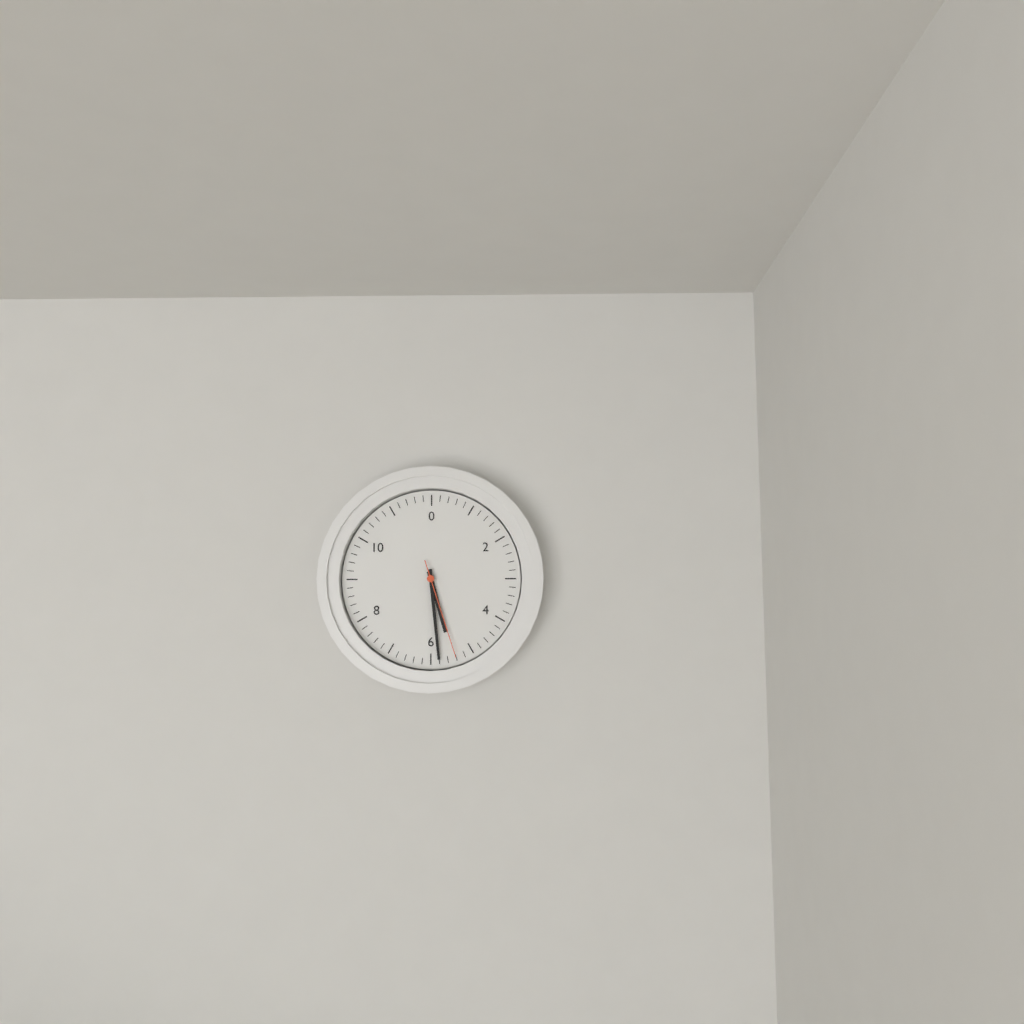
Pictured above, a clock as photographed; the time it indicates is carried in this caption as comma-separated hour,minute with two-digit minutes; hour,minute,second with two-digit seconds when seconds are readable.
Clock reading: 5,29,27
